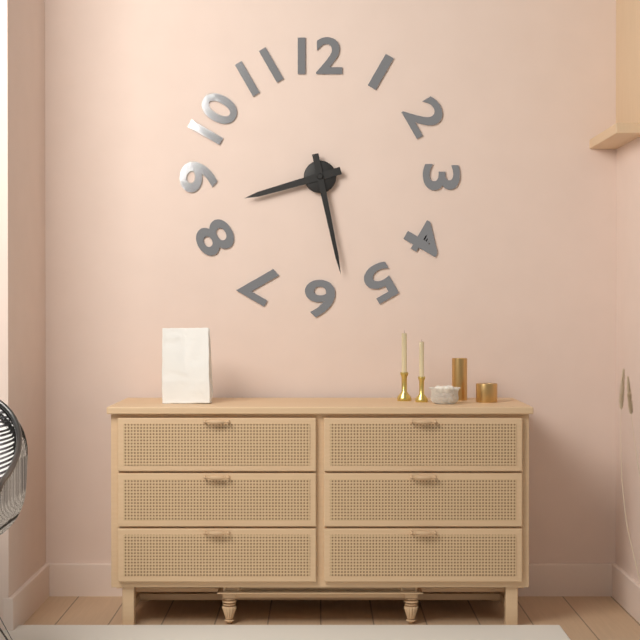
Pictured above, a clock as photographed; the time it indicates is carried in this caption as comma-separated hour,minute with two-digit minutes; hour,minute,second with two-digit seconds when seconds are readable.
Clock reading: 8,28
